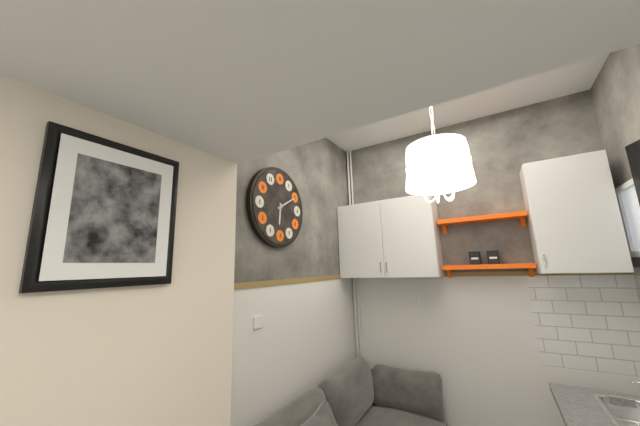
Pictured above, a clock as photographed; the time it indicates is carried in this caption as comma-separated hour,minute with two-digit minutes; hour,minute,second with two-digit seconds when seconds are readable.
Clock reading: 6,10
